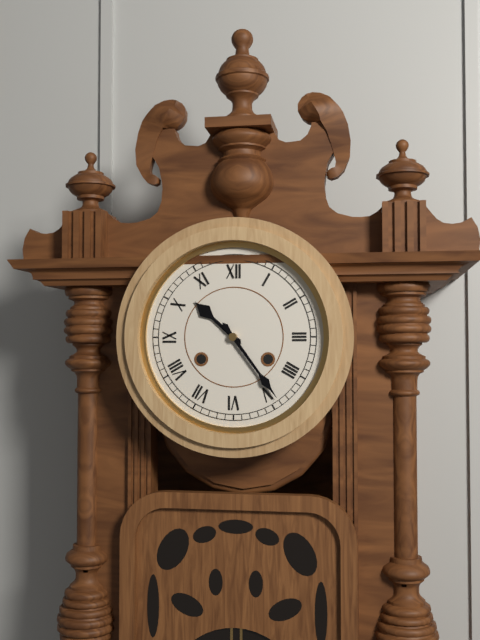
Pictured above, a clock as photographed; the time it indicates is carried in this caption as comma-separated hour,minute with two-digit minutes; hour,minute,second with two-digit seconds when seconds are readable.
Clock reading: 10,24
